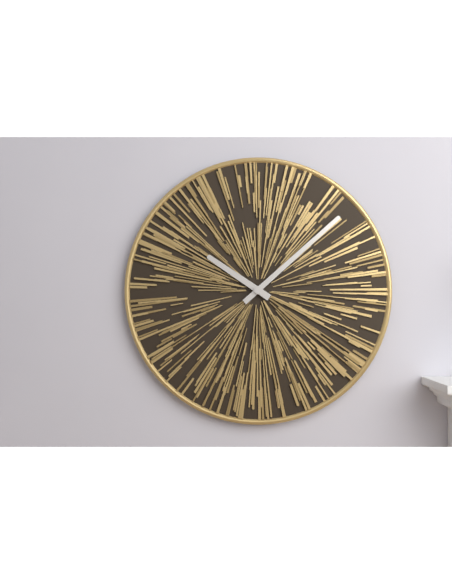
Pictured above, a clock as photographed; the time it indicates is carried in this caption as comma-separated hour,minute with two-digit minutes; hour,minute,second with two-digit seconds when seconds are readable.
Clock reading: 10,08
